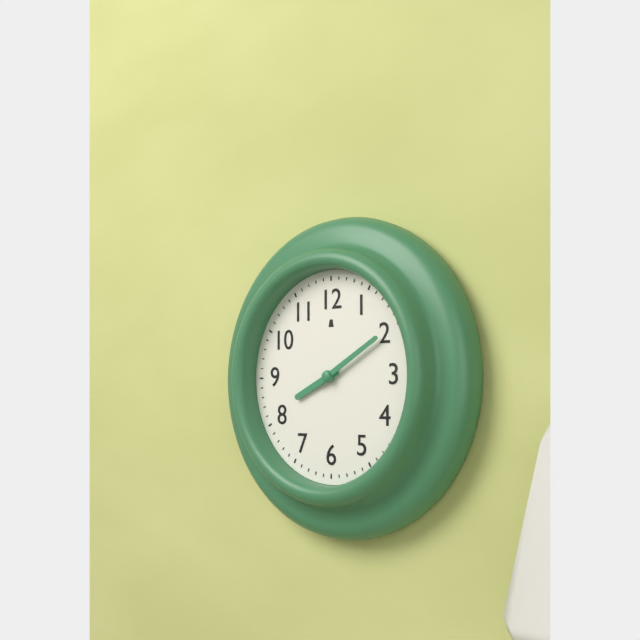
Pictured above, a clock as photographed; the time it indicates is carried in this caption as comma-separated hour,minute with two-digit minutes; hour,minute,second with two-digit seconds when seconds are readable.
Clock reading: 8,10
